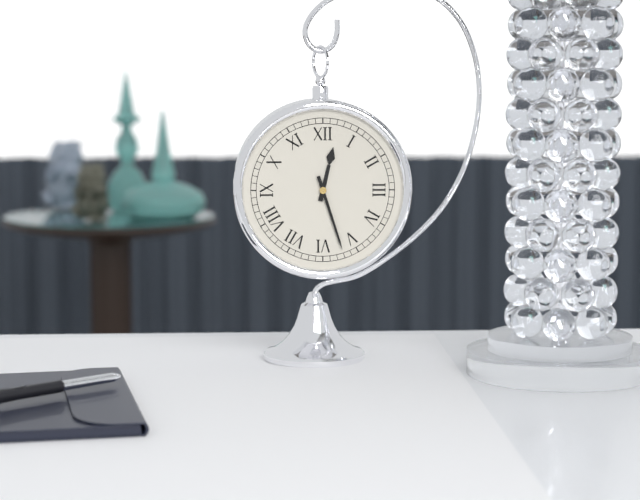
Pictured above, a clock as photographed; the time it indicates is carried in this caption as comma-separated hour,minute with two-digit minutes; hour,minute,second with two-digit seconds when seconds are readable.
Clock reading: 12,27
